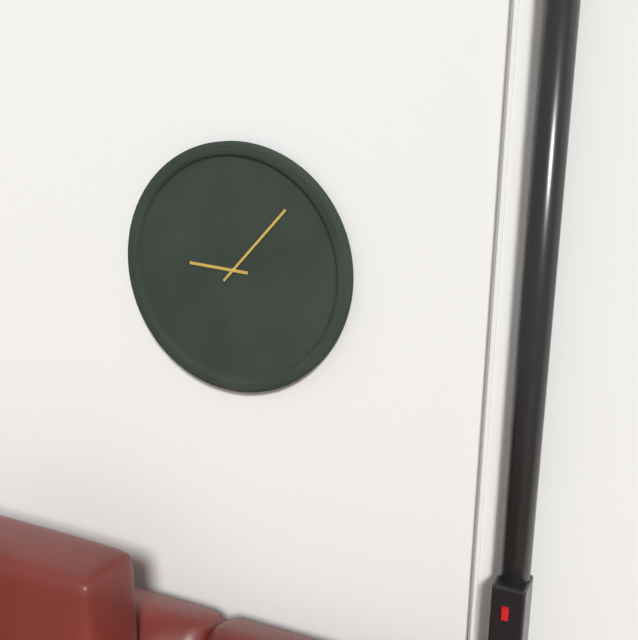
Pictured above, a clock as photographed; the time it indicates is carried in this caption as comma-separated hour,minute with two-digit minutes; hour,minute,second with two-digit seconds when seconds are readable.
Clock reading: 9,07
